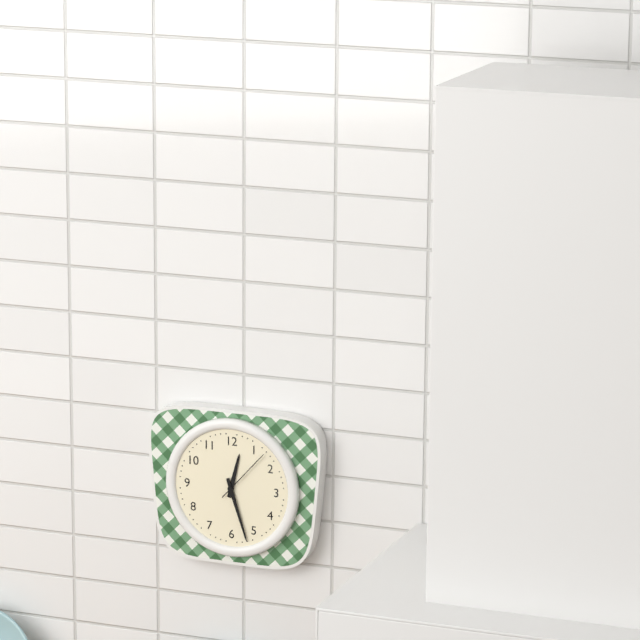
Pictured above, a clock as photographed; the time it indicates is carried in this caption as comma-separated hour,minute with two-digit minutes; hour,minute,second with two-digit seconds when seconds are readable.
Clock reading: 12,27
